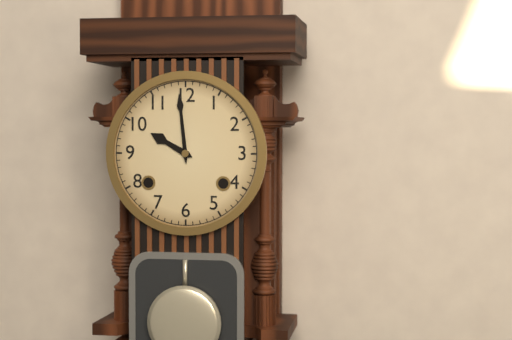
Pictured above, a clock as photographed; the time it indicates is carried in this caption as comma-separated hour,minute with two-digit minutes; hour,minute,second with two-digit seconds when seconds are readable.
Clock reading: 9,59
